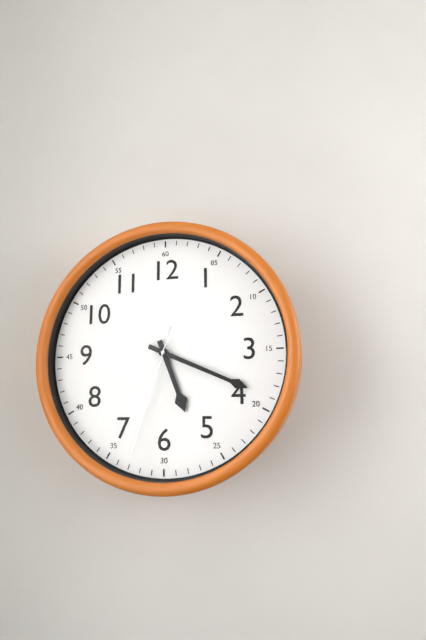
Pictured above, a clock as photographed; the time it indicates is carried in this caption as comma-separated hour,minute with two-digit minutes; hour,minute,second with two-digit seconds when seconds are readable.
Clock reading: 5,19,33
